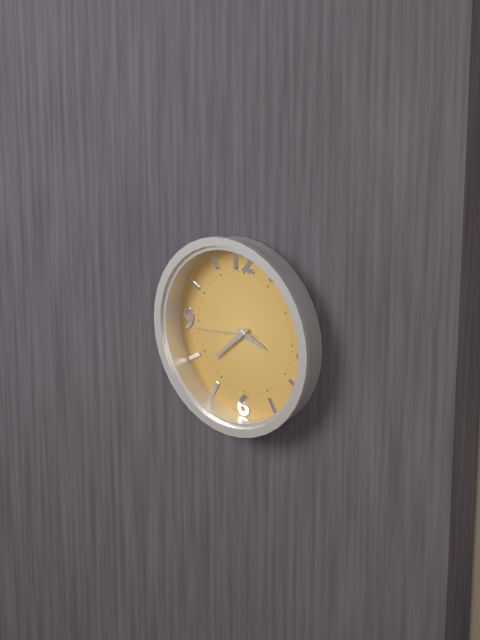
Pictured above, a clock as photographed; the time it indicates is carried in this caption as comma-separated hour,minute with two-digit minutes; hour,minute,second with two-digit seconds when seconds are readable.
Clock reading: 3,38,44
